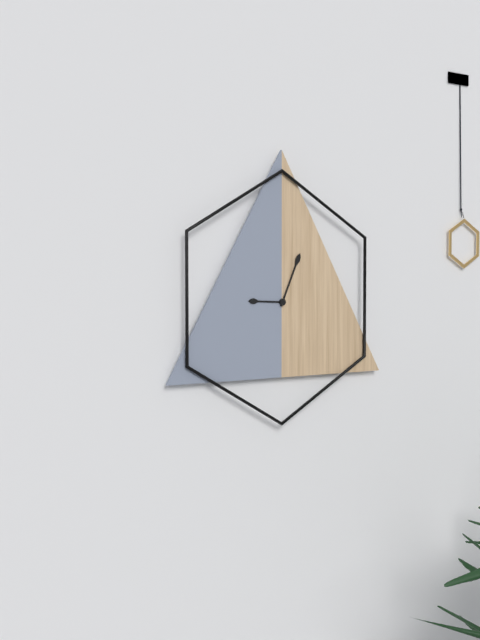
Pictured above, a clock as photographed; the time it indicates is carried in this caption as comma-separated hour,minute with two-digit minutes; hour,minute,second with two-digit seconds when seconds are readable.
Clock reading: 9,04
